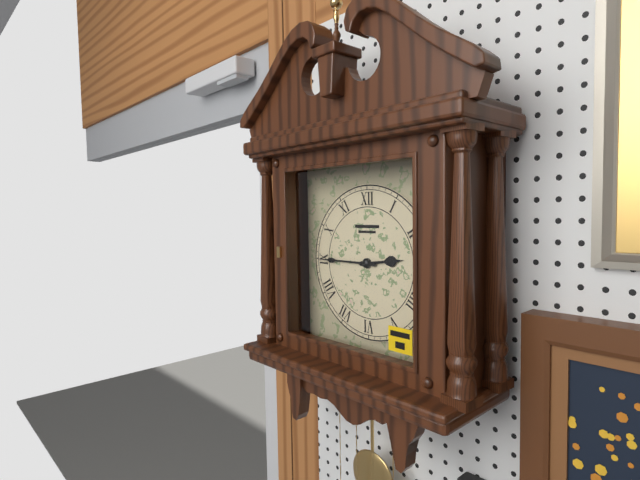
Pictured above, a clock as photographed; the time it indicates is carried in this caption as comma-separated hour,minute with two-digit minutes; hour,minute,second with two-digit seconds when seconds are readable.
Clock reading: 2,45
